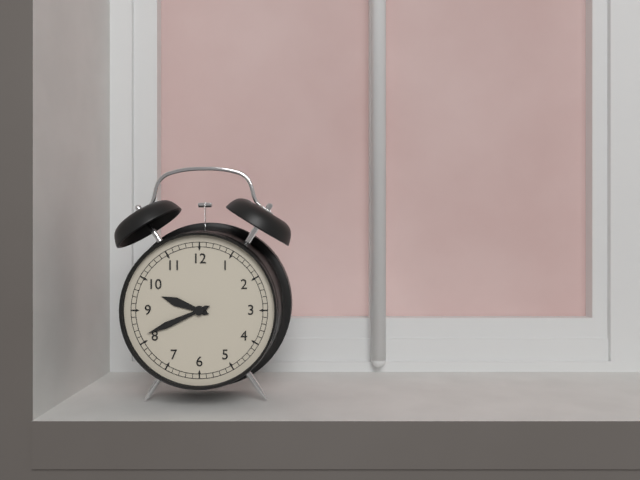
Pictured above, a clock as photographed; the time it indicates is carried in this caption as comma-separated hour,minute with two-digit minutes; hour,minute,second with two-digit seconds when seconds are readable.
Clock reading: 9,41
